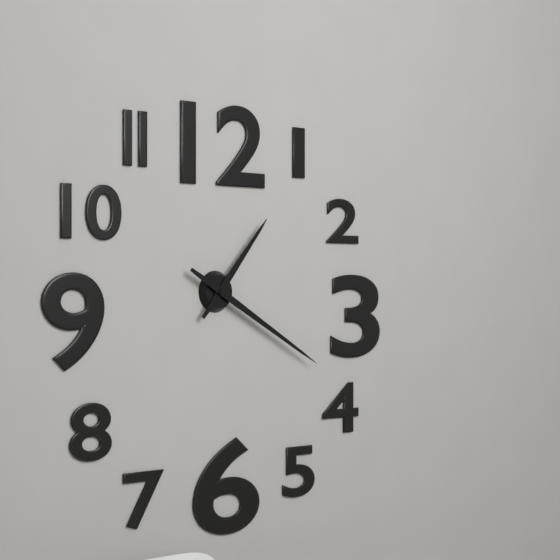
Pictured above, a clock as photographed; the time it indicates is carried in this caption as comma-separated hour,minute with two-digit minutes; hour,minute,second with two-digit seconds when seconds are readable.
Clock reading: 1,20
